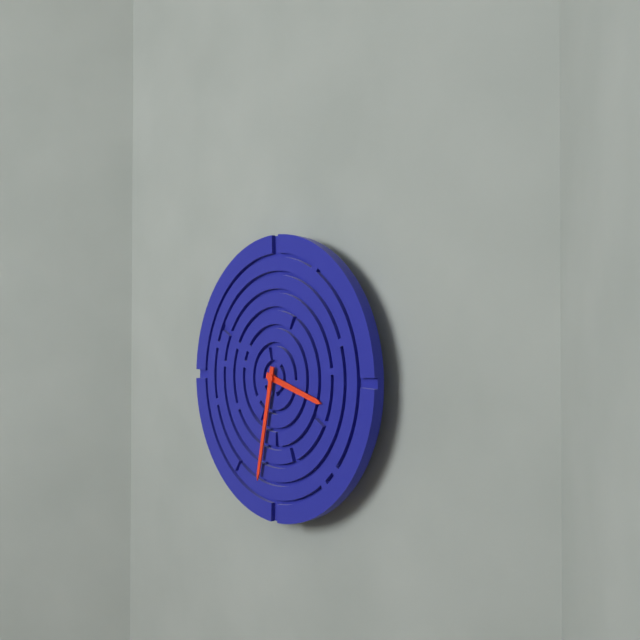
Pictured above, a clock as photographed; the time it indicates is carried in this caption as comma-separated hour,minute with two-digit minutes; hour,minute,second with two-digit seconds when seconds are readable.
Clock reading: 3,32
